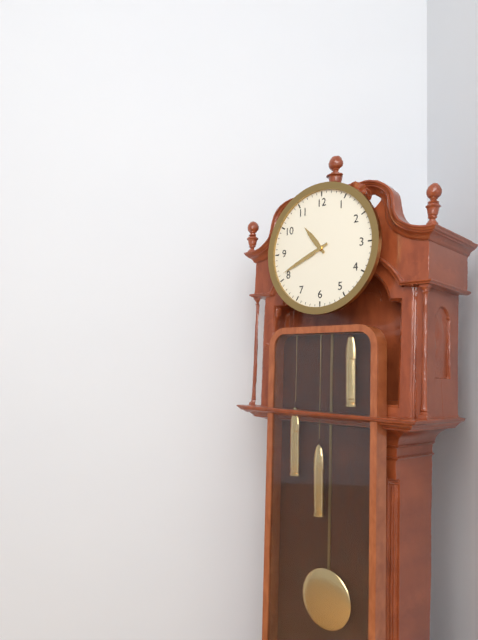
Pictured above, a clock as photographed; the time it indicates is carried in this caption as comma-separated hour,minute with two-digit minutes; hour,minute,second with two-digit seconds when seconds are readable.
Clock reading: 10,41
